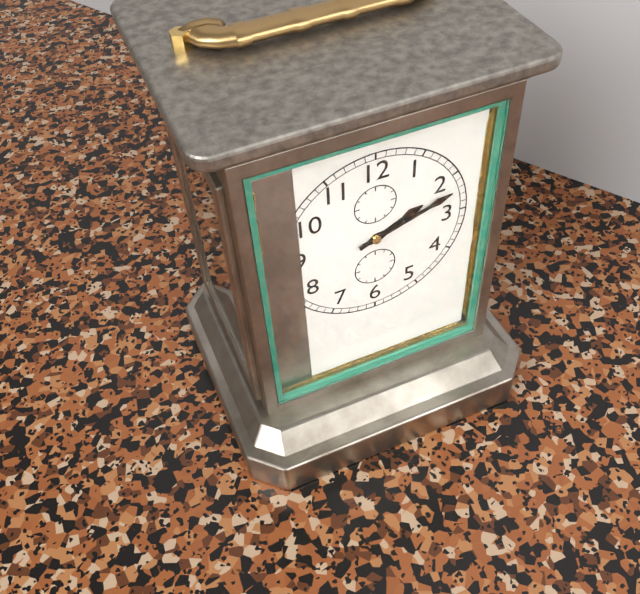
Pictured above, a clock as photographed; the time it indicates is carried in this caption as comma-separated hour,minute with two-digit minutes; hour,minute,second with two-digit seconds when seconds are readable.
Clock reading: 2,12
